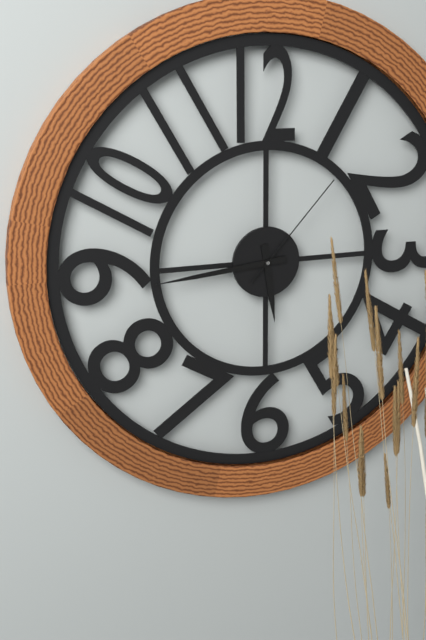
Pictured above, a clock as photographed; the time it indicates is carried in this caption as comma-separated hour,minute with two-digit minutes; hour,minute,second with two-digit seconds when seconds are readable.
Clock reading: 5,44,07
